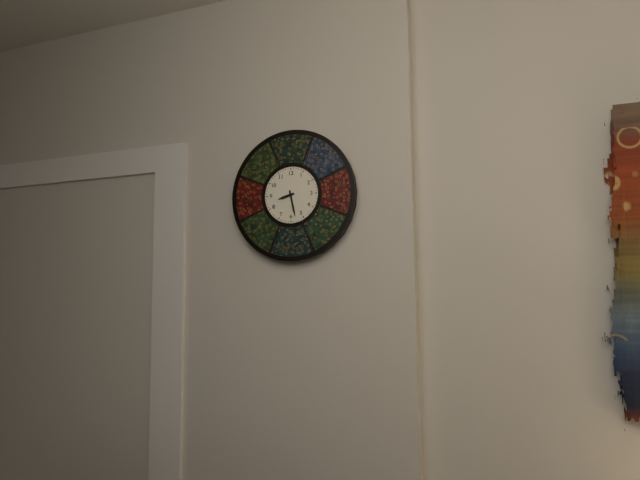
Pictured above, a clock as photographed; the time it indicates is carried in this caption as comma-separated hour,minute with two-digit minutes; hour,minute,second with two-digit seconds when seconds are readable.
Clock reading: 8,28
